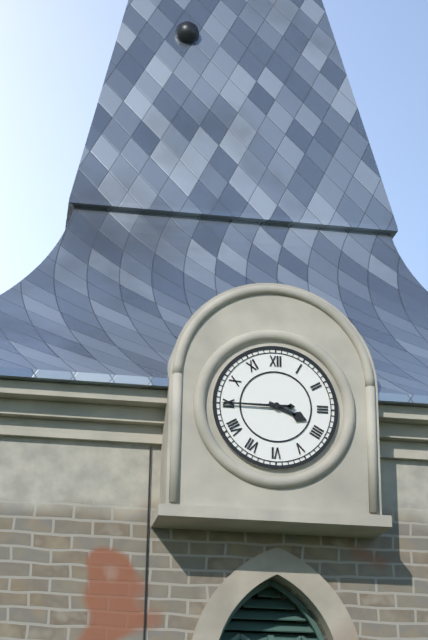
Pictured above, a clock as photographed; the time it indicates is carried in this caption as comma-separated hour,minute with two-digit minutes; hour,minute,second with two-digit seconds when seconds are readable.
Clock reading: 3,45
